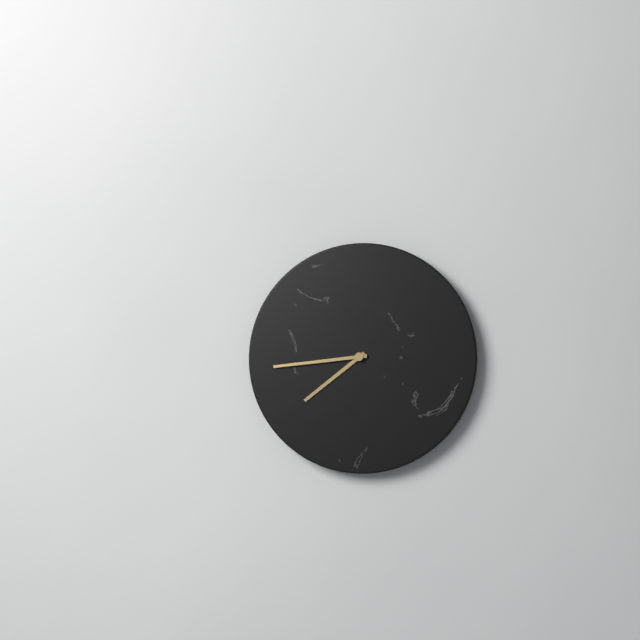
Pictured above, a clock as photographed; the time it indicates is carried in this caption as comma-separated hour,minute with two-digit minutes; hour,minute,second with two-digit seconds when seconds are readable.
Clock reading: 7,44
